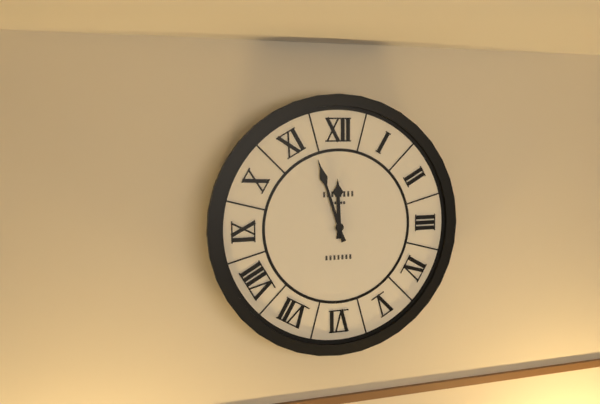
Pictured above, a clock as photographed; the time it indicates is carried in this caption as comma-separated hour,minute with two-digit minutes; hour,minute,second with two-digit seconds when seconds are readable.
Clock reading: 11,57
